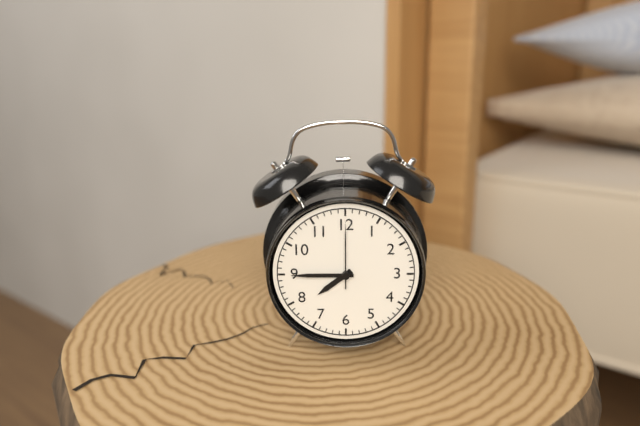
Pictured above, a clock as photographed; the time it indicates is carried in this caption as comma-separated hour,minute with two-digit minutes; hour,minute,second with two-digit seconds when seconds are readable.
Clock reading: 7,45,00
